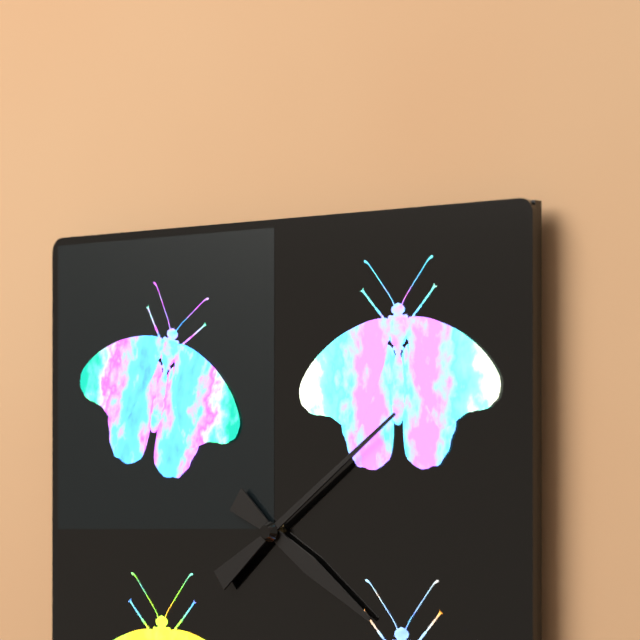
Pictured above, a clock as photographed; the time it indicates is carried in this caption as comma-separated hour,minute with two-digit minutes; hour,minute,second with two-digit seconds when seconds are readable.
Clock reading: 4,09
